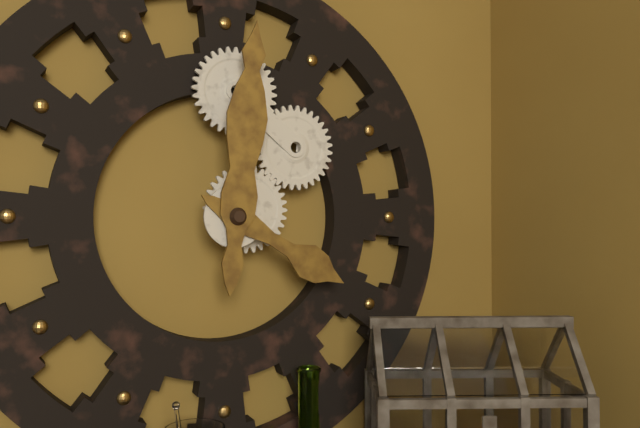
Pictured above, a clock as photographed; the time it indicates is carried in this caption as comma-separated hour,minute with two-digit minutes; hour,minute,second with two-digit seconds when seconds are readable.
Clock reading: 4,01
